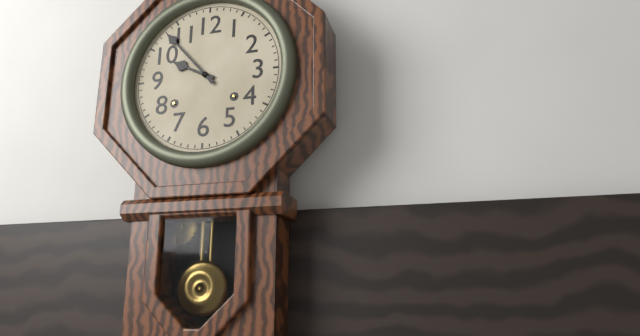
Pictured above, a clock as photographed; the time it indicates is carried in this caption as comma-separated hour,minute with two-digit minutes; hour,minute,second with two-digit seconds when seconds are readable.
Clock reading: 9,53
